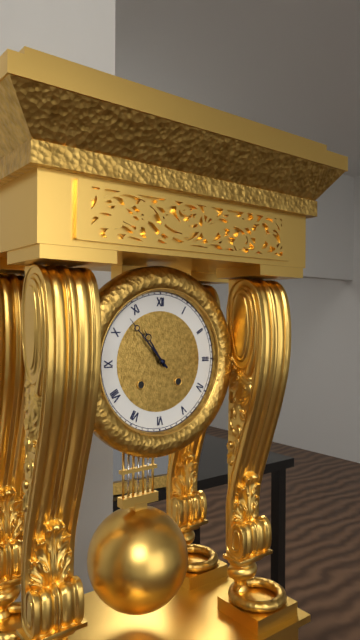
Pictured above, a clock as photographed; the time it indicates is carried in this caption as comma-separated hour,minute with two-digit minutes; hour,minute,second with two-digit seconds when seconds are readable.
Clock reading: 10,53
